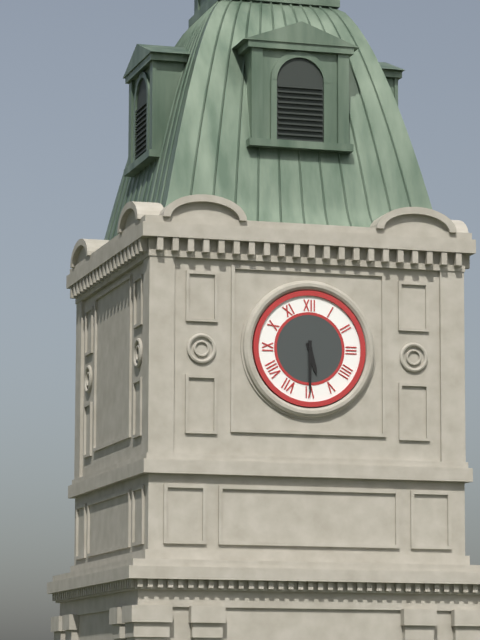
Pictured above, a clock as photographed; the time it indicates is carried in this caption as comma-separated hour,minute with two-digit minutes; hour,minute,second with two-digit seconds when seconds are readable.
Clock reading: 5,30
